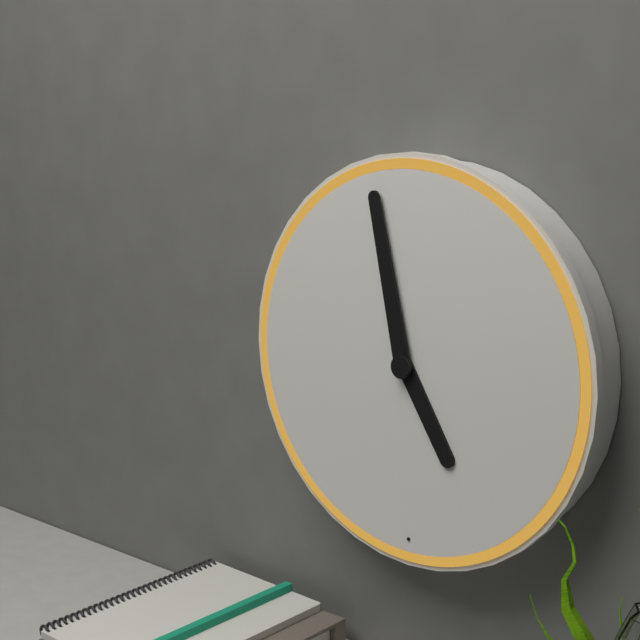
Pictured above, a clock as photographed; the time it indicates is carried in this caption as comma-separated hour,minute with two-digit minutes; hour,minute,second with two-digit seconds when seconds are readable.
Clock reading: 4,58
